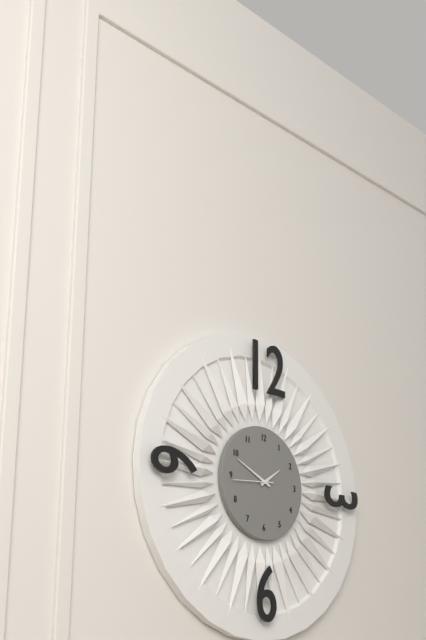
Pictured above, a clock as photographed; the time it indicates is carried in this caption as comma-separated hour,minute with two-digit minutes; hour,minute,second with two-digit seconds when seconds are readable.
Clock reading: 1,49
